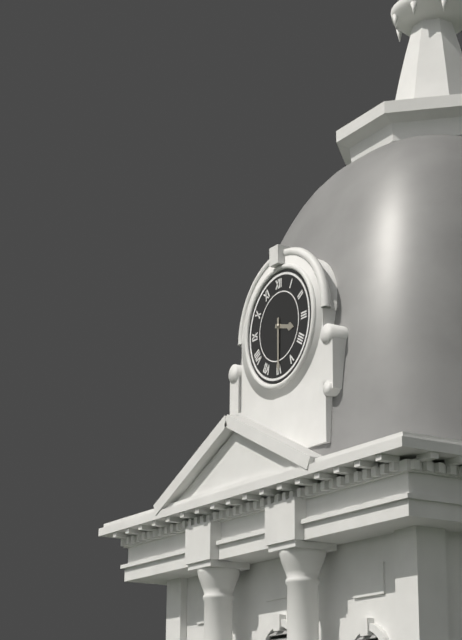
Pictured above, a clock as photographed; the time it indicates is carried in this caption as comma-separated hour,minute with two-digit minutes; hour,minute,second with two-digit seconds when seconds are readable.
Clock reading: 3,30
